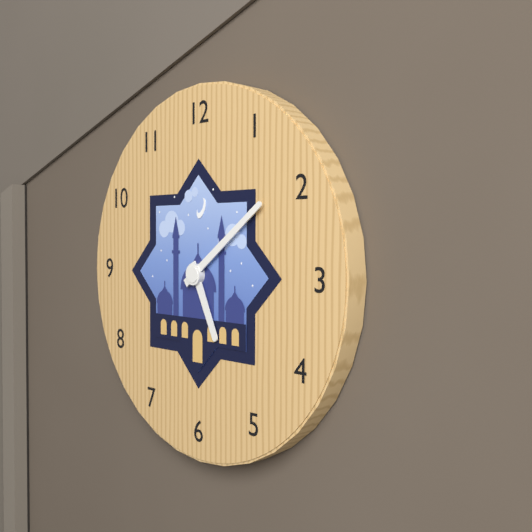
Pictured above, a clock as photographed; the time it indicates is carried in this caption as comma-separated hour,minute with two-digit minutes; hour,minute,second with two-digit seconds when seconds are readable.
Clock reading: 5,09
